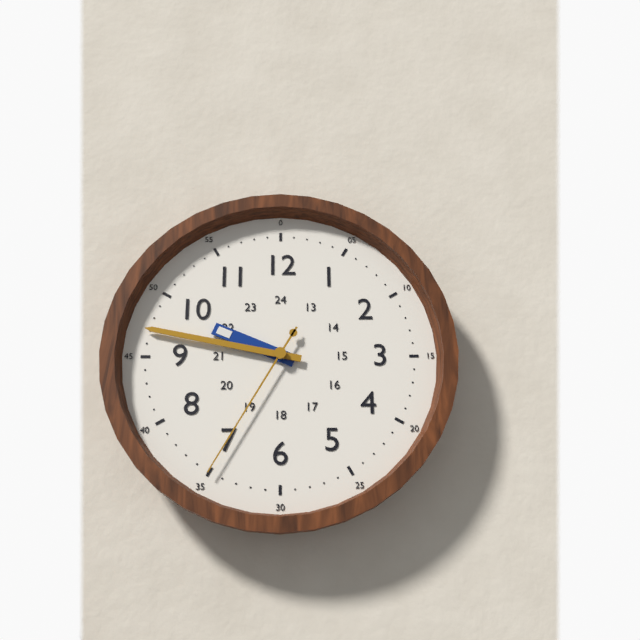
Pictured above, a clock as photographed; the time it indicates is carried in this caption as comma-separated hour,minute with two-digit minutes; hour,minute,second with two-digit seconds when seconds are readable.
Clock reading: 9,47,35
